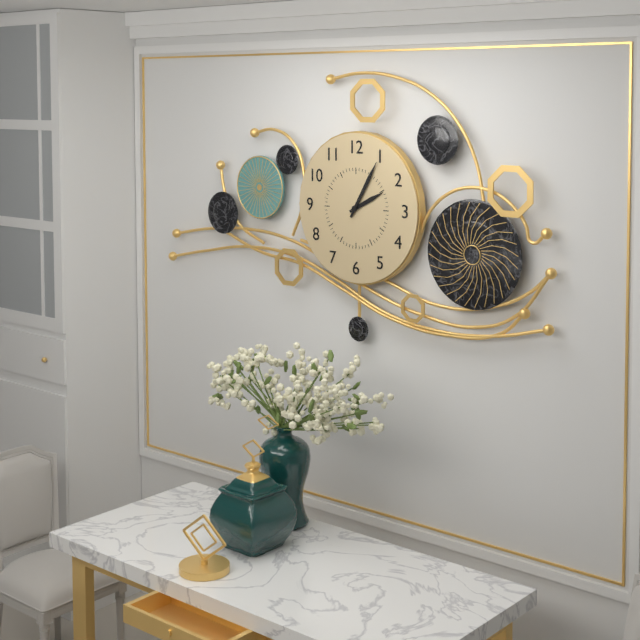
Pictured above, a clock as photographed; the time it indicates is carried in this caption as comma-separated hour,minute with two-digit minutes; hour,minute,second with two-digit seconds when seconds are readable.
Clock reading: 2,05
